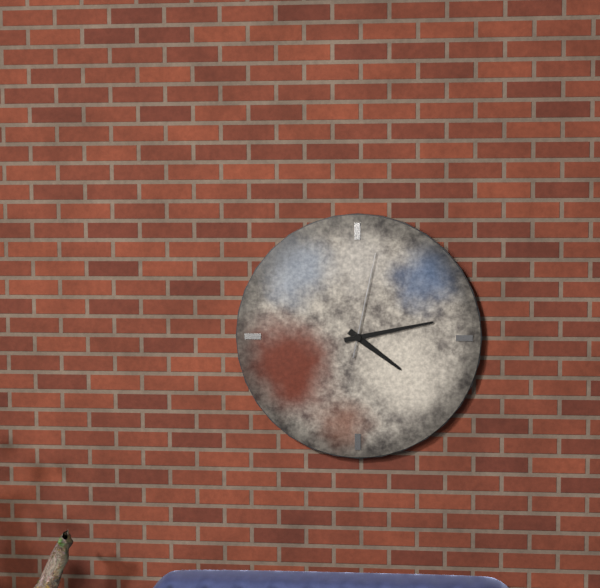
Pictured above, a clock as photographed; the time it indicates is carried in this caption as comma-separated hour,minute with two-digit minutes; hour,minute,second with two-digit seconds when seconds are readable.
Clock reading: 4,13,02
